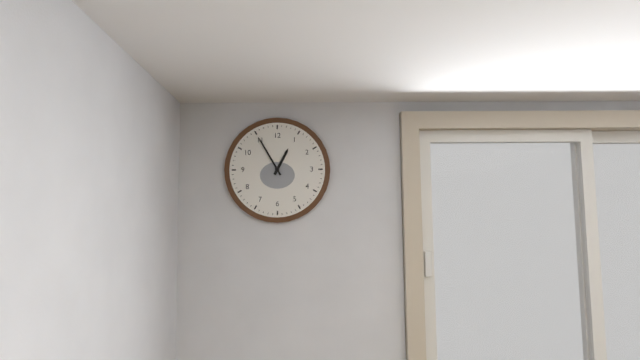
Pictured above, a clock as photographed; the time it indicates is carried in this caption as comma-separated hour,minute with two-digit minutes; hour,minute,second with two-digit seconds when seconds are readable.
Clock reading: 12,55
